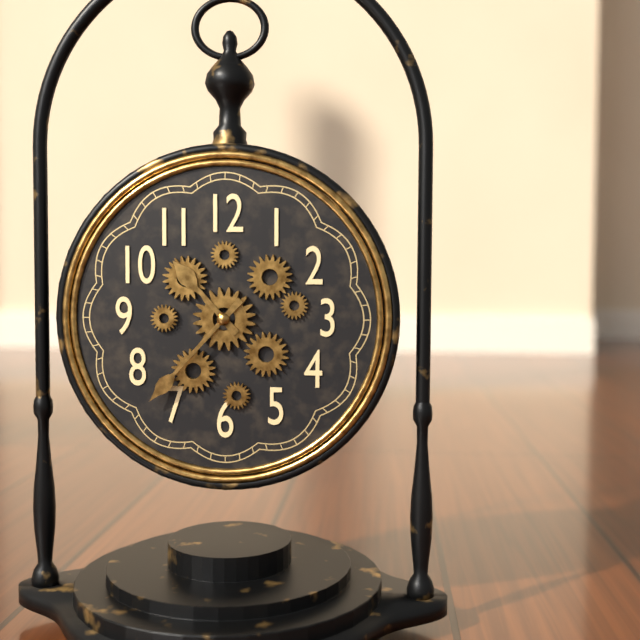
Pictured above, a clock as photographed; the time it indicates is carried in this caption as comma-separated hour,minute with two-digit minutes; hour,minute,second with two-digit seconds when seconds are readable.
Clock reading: 10,37
